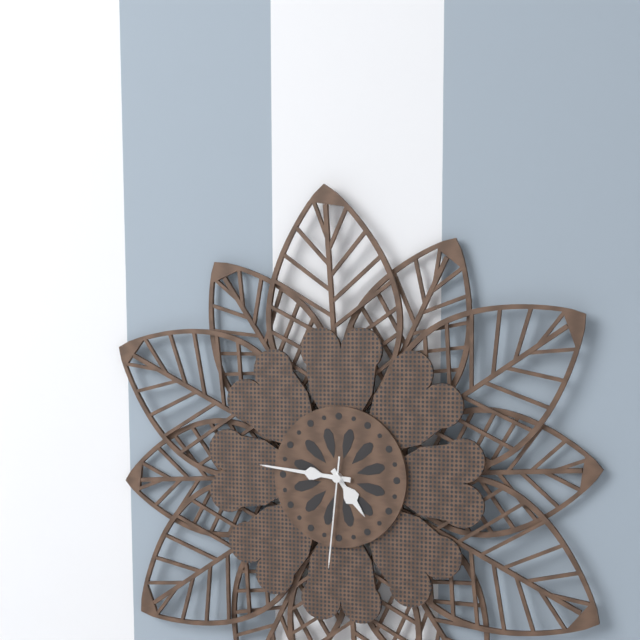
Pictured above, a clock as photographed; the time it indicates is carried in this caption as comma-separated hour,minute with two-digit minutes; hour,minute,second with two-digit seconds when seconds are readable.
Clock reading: 4,46,31
